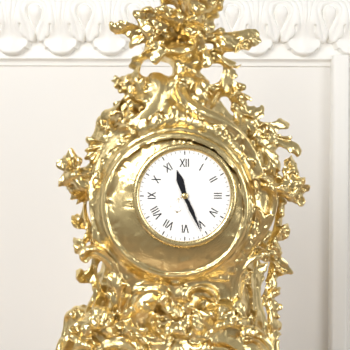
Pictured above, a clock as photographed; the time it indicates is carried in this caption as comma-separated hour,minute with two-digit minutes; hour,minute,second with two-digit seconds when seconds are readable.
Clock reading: 11,26
